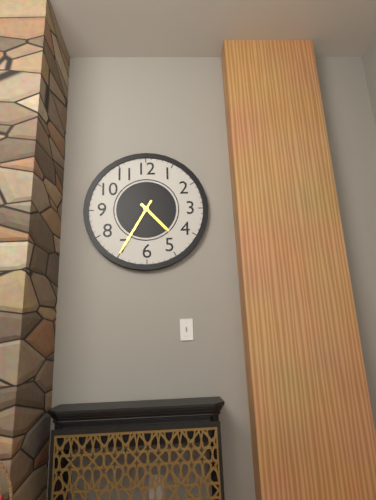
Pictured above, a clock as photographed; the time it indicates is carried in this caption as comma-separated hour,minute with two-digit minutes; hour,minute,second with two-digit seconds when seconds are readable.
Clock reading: 4,35
